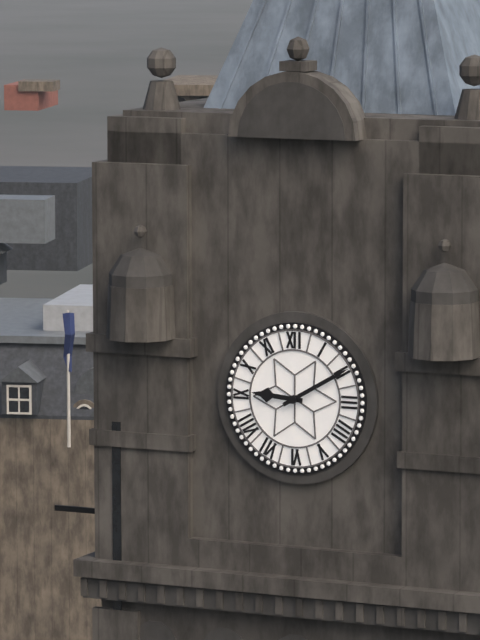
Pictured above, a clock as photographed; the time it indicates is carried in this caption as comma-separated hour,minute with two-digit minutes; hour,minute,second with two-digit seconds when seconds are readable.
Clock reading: 9,10
